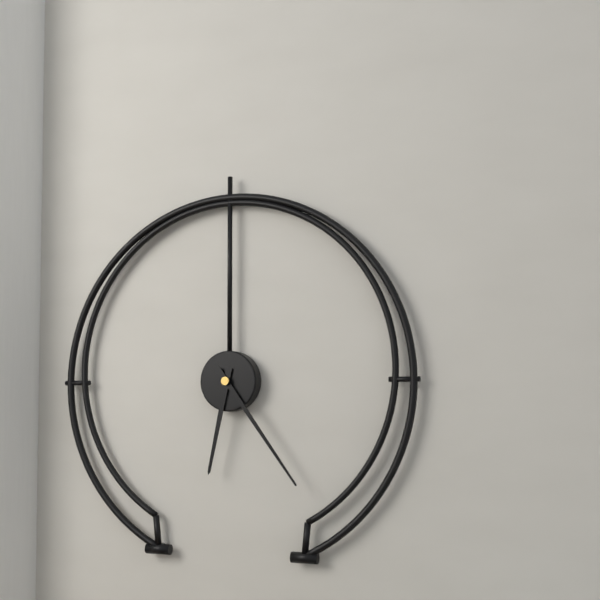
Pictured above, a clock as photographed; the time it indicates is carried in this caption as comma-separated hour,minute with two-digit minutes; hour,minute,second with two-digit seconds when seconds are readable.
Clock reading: 6,24
